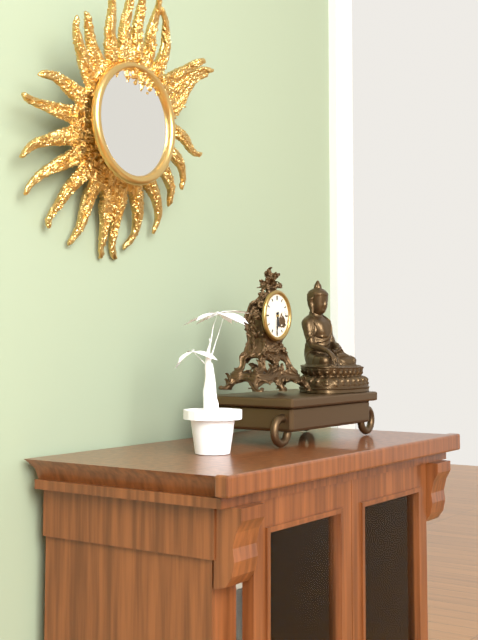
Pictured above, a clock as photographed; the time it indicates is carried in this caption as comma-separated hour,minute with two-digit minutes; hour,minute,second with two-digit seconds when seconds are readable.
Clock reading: 5,31
